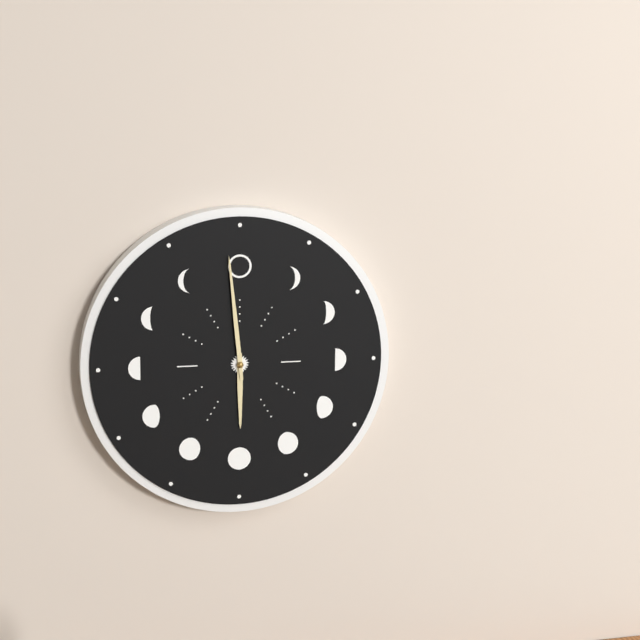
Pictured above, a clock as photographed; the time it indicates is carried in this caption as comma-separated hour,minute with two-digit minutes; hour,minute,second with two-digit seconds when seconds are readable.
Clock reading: 5,59
